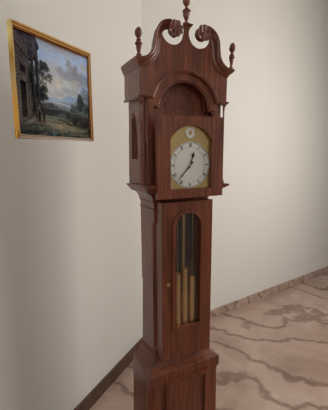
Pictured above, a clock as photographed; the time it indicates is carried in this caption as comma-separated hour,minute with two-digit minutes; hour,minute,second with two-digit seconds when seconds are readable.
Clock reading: 12,37
